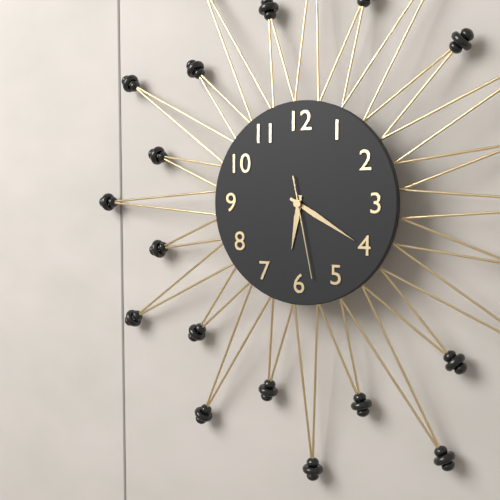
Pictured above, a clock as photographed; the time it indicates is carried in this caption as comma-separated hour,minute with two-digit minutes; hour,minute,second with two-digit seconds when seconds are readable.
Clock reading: 6,20,28
